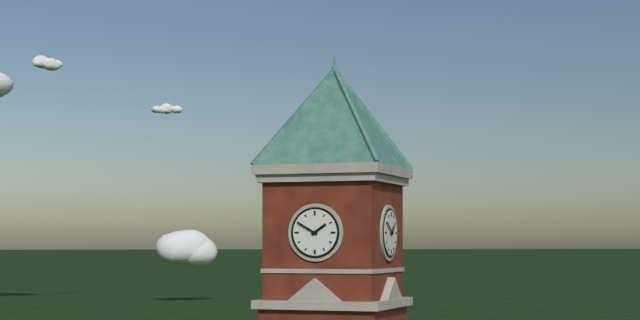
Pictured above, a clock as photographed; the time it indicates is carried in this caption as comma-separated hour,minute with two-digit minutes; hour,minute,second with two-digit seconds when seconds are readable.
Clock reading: 1,50
